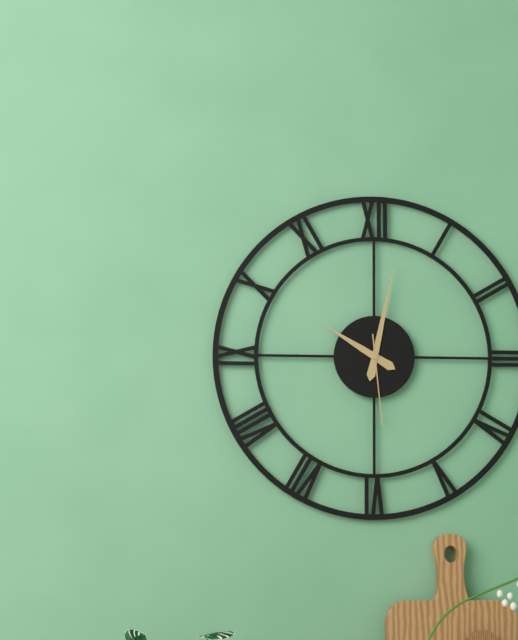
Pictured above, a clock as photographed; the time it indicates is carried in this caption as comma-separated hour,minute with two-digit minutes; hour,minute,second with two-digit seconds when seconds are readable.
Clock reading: 10,02,29
